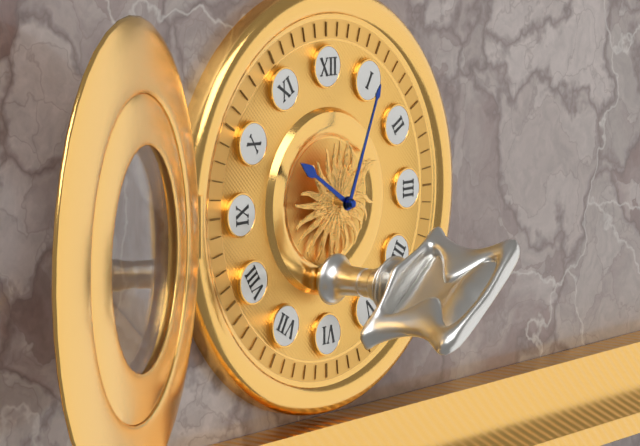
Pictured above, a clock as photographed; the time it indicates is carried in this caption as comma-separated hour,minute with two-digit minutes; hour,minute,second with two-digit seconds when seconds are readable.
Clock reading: 10,04
